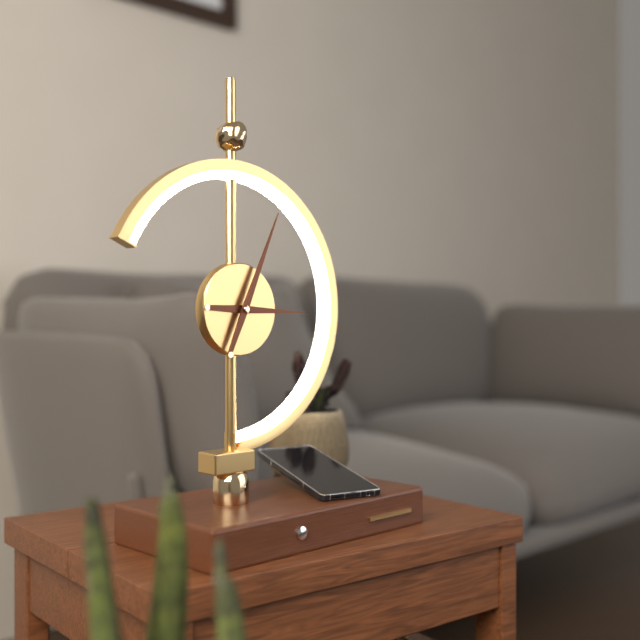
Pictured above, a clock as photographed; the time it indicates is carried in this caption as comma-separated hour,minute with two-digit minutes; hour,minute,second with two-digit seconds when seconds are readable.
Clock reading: 3,04
